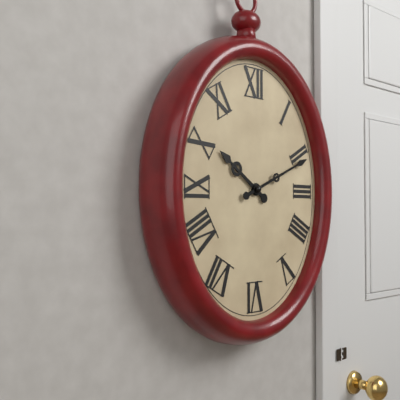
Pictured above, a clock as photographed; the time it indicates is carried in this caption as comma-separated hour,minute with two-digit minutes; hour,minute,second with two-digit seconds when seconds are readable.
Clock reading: 10,11
